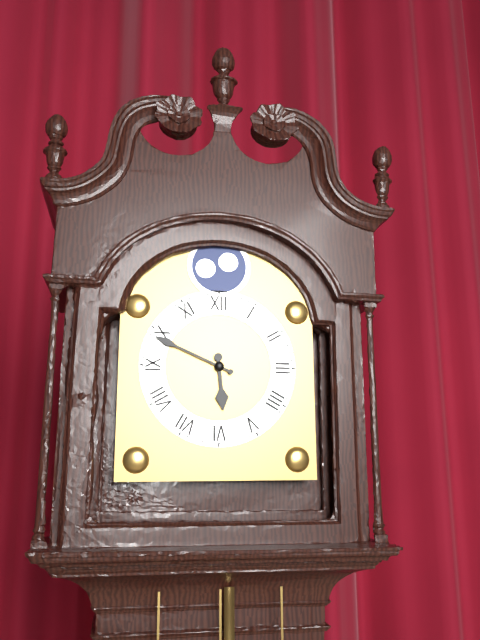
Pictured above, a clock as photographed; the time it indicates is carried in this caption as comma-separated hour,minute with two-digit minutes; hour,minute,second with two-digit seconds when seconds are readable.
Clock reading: 5,49
